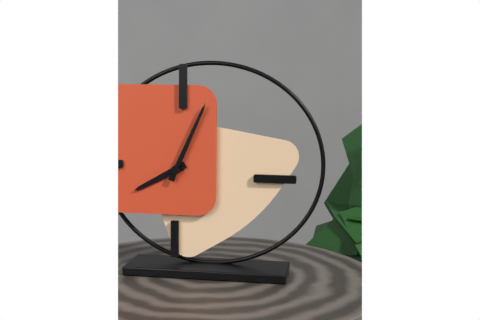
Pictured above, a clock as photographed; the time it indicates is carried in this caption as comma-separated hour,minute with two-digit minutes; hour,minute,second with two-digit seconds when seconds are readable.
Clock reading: 8,04
